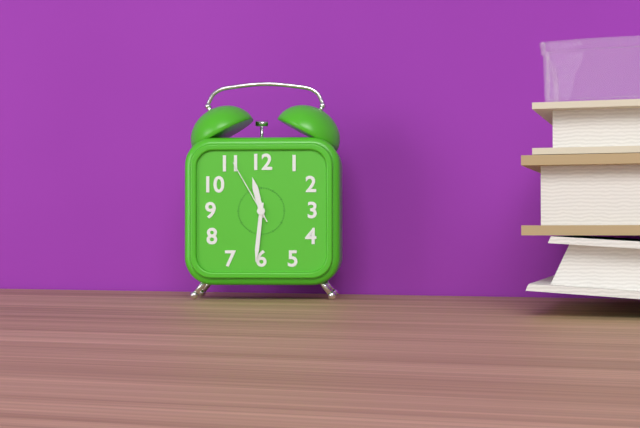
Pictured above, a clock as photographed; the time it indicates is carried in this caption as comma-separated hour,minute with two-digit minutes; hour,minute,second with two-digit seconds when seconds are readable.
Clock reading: 11,31,55
